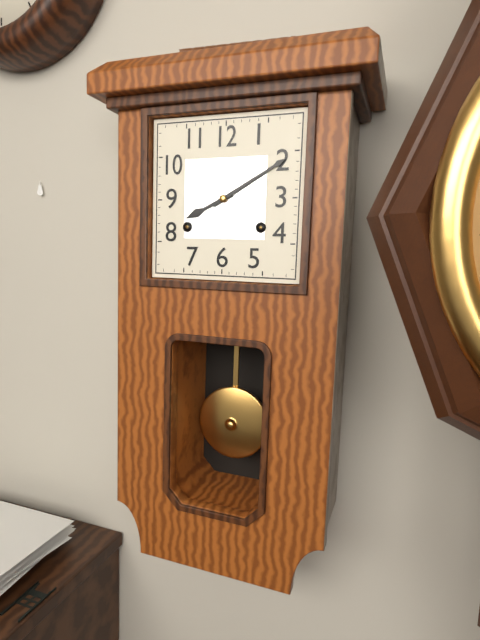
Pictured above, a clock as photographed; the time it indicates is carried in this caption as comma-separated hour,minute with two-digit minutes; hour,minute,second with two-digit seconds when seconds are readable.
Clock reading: 8,10
